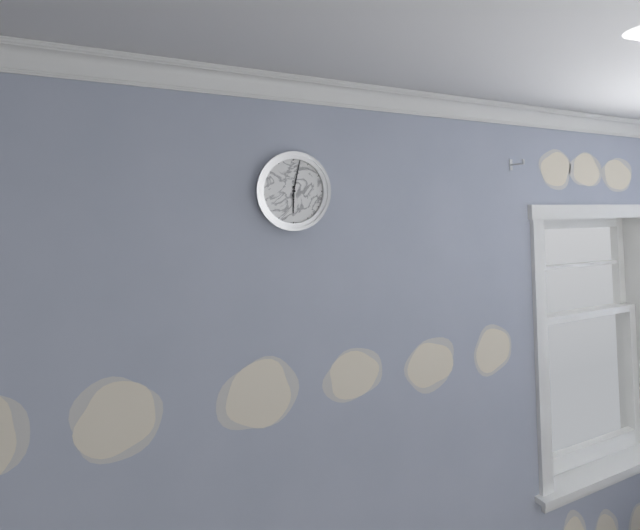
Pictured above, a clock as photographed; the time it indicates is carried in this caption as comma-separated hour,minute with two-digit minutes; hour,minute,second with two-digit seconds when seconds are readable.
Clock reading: 6,02
